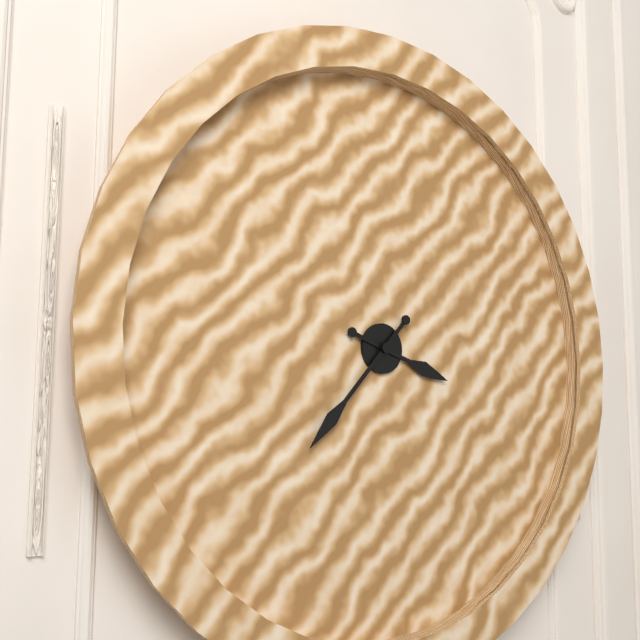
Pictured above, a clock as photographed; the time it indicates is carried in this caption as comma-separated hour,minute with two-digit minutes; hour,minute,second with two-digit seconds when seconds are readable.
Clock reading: 3,37
